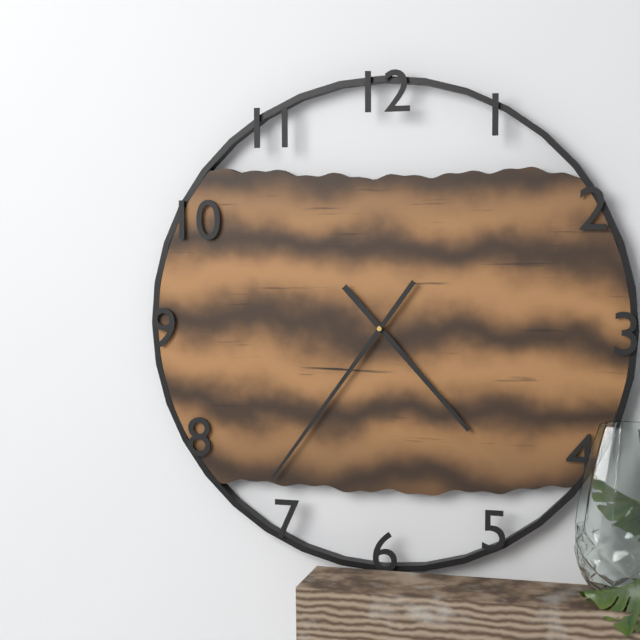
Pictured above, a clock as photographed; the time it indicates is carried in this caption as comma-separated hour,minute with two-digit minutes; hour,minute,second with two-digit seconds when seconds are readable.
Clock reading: 4,36
